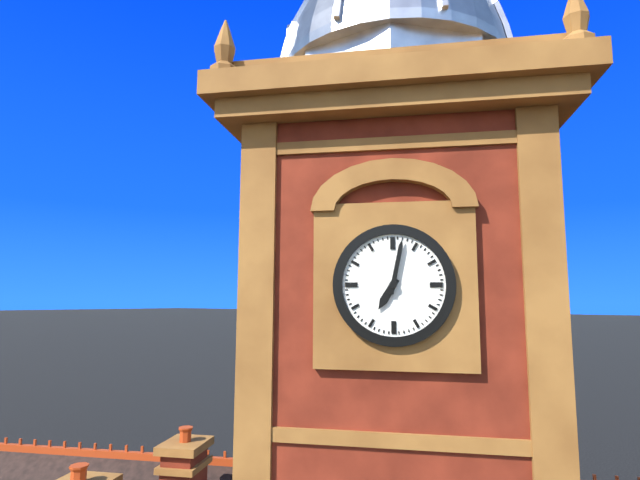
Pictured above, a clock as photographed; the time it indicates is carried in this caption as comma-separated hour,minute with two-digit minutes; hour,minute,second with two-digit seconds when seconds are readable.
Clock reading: 7,02
